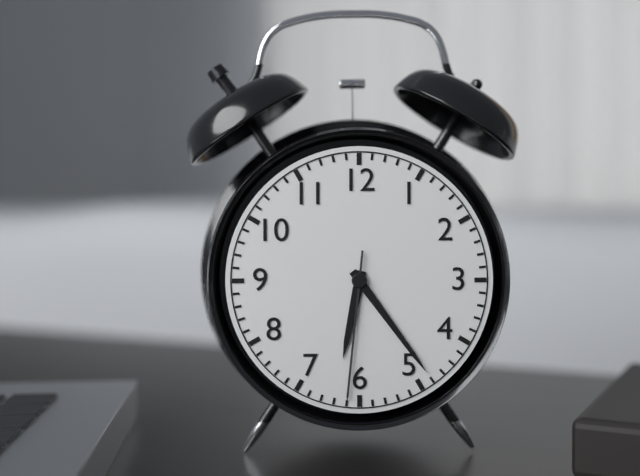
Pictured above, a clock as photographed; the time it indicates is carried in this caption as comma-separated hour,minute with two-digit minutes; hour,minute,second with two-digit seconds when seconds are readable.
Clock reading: 6,24,31
